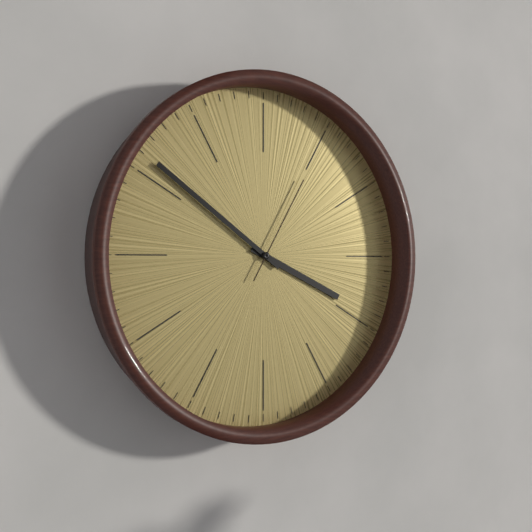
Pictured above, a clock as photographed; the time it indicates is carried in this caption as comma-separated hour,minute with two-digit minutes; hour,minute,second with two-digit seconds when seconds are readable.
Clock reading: 3,51,05
